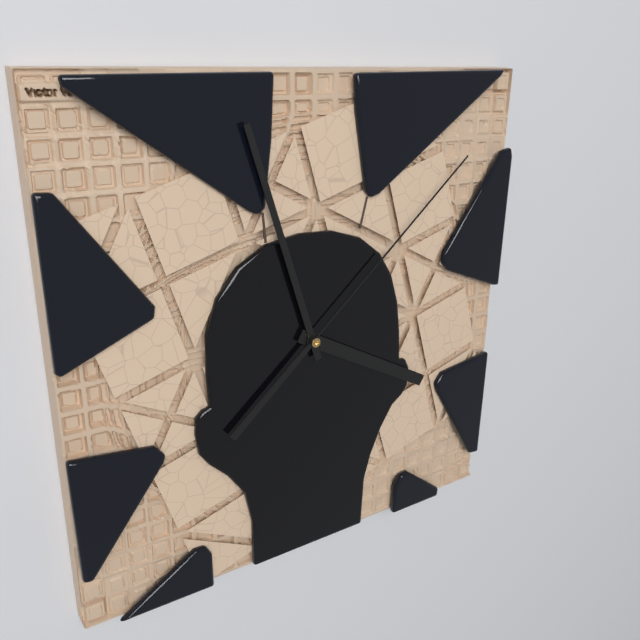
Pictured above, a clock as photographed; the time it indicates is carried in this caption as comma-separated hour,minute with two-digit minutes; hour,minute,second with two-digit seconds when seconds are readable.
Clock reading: 3,57,08
